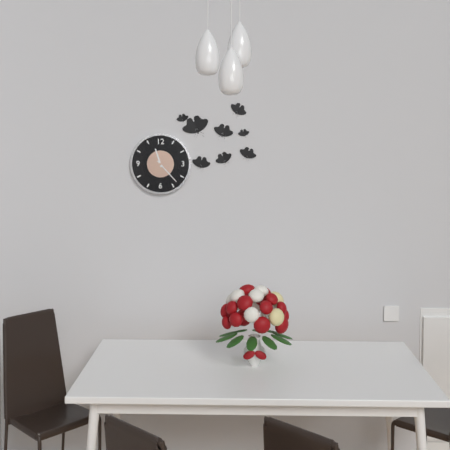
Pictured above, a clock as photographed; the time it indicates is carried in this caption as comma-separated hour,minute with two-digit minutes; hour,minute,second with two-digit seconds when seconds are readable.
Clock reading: 11,23
